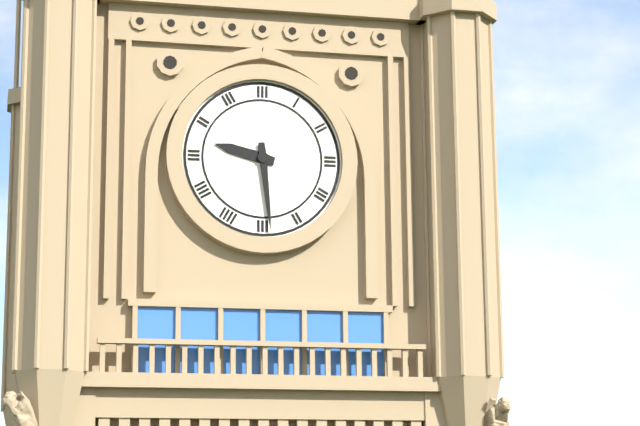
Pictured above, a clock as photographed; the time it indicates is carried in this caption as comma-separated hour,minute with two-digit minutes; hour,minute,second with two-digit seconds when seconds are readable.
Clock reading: 9,29
